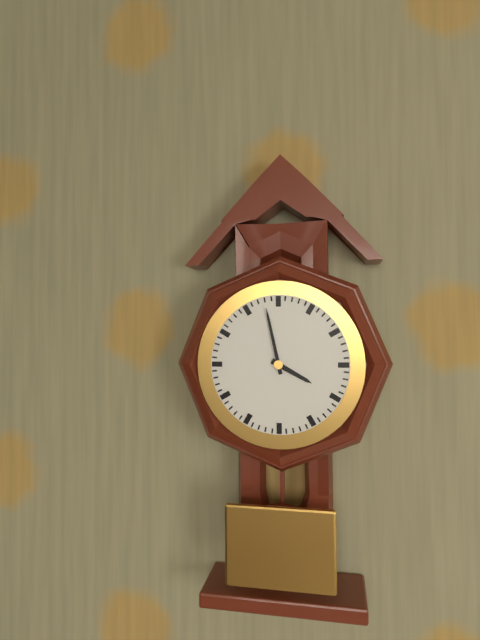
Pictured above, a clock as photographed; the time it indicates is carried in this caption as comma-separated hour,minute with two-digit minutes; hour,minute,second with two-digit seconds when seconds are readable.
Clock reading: 3,58
